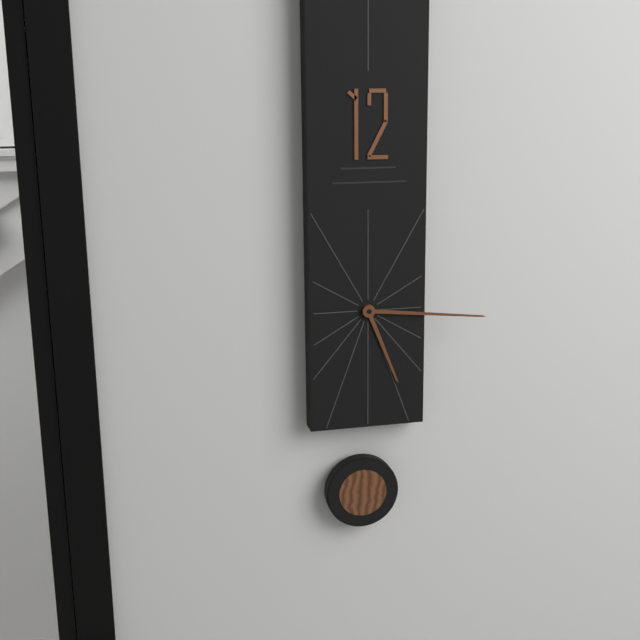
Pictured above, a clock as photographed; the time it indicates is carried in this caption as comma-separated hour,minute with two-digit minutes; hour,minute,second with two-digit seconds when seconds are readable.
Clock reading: 5,16
